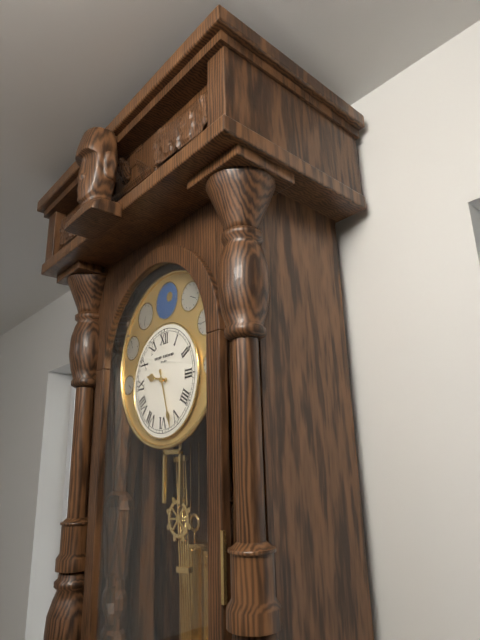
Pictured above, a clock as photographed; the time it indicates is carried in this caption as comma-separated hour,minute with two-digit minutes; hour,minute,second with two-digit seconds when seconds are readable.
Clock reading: 9,27
